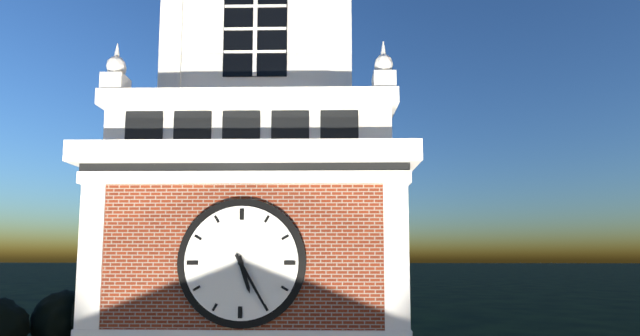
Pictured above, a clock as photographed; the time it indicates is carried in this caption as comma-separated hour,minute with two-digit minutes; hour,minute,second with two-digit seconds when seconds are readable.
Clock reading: 5,25
